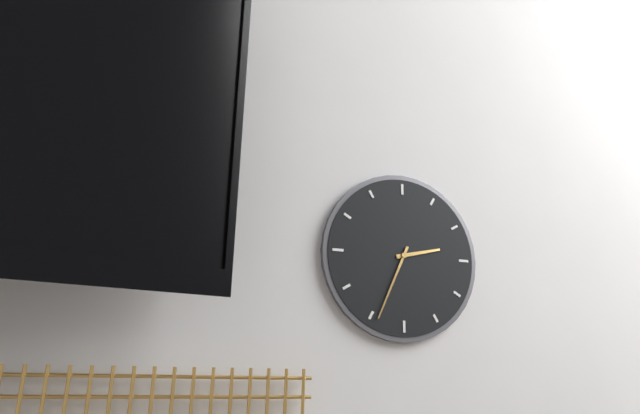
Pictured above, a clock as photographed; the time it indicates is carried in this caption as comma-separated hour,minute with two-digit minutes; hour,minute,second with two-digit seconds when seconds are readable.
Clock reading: 2,34
